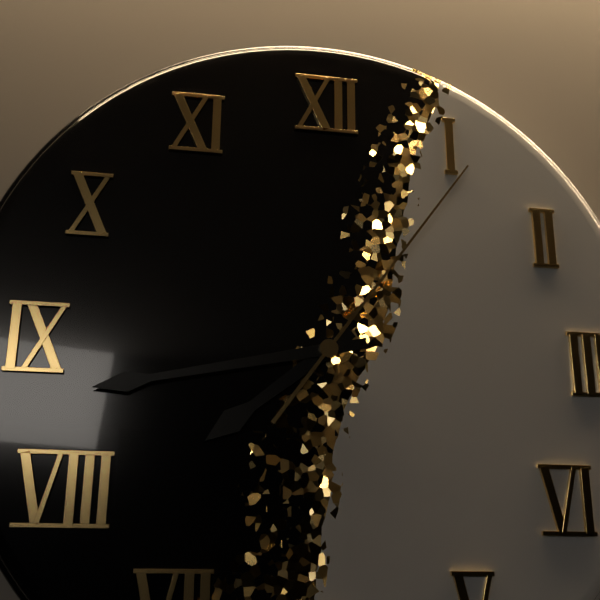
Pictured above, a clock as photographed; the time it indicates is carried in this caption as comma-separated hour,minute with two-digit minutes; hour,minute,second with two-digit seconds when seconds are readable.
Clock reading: 7,43,06
